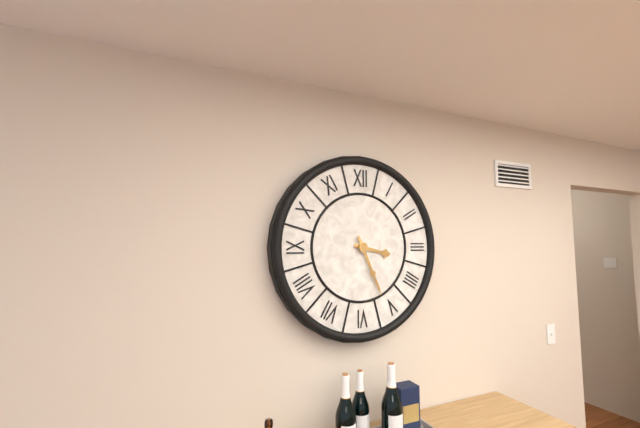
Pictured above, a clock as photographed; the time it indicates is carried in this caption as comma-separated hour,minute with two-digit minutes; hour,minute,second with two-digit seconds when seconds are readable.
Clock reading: 3,26
